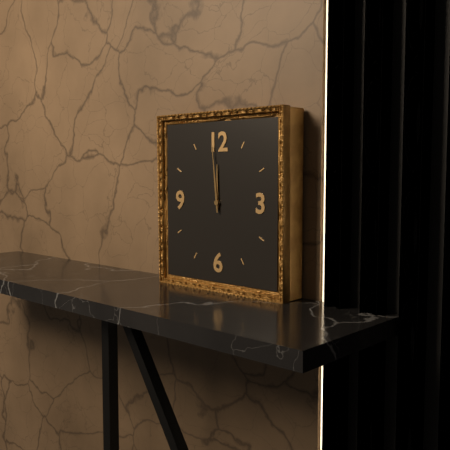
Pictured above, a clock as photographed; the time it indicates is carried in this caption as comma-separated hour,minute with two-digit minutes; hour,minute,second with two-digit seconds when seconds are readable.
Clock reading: 11,59
